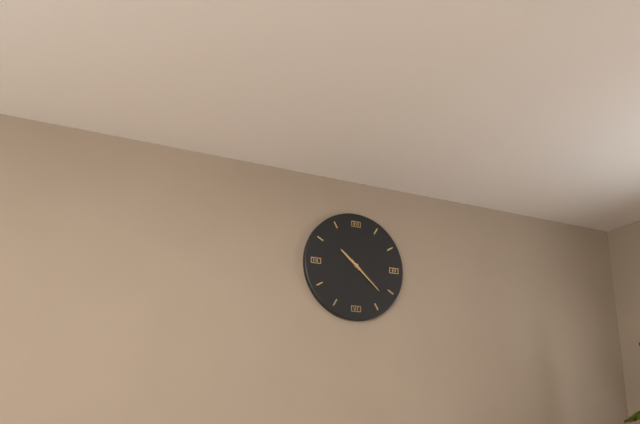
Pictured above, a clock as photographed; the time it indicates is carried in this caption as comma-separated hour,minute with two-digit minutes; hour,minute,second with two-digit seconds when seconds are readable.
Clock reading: 10,22
